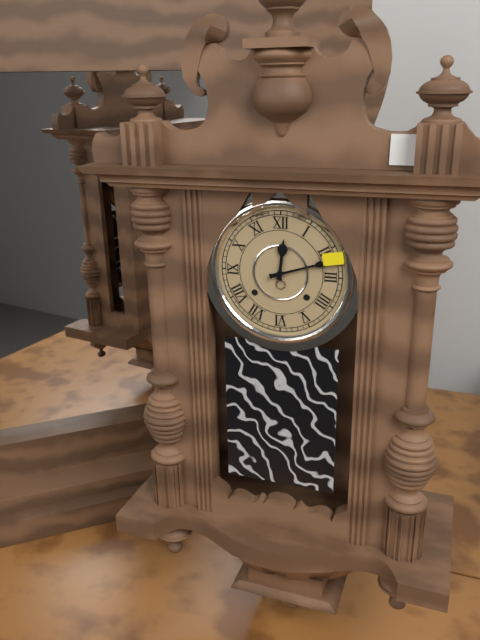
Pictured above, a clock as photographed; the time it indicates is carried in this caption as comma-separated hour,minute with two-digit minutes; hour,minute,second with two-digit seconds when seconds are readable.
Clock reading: 12,12
